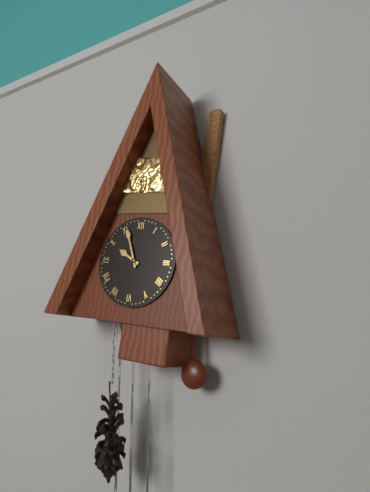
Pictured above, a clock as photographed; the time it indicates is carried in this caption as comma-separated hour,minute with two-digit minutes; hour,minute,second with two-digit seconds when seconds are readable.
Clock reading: 9,56
